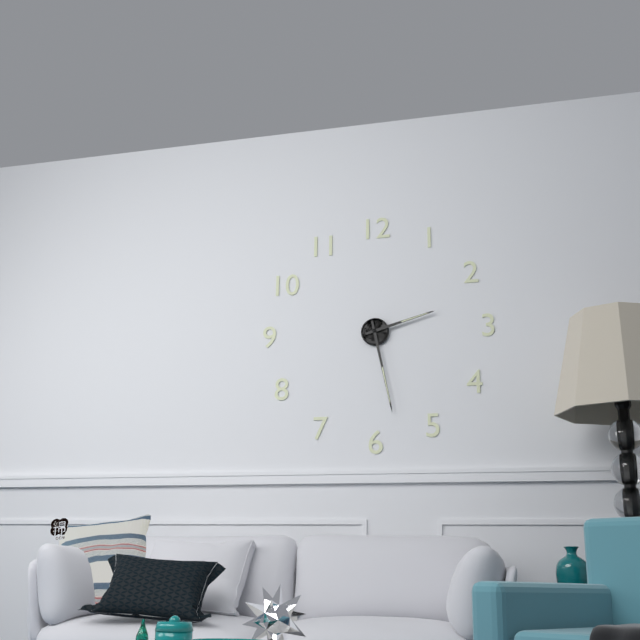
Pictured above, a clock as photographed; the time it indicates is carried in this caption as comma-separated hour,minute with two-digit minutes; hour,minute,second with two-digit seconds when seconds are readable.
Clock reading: 2,28
